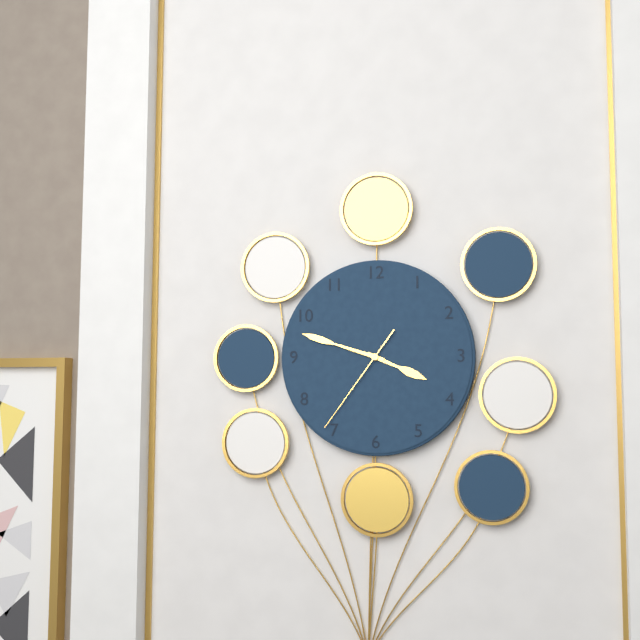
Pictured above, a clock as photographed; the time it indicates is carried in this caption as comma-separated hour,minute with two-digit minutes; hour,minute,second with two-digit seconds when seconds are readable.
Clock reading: 3,48,36
